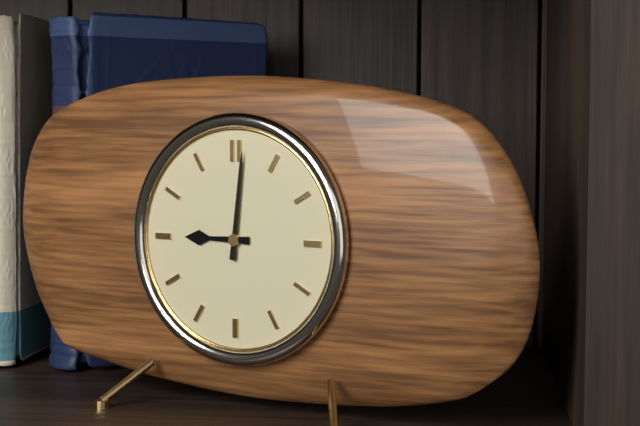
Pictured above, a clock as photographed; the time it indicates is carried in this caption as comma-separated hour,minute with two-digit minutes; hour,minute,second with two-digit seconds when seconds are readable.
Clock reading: 9,01
